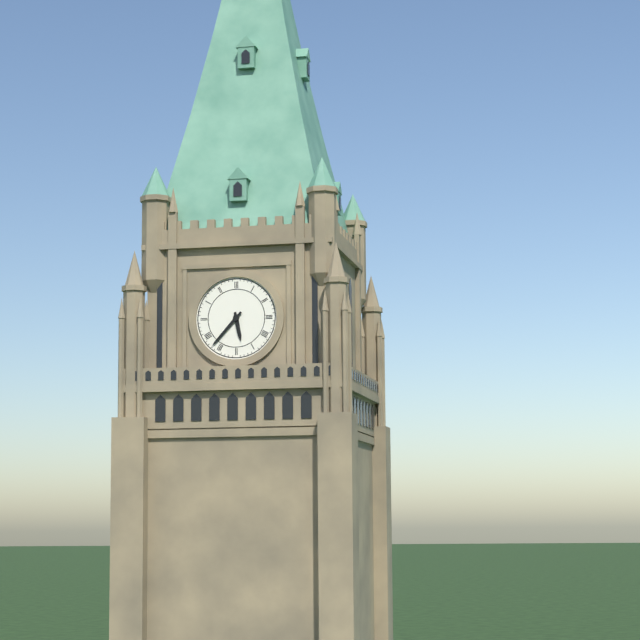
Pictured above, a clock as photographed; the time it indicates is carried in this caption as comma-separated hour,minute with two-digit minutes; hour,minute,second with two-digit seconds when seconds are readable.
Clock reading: 5,37
